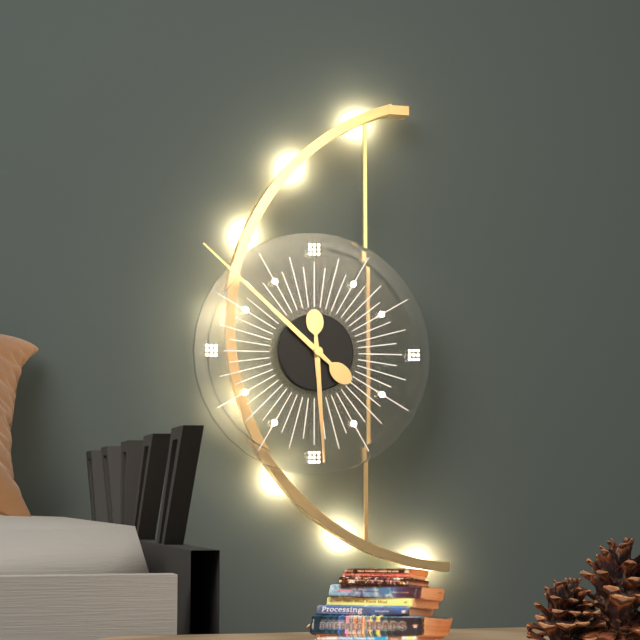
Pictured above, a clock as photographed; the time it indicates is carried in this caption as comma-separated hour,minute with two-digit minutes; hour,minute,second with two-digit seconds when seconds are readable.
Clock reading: 5,52
